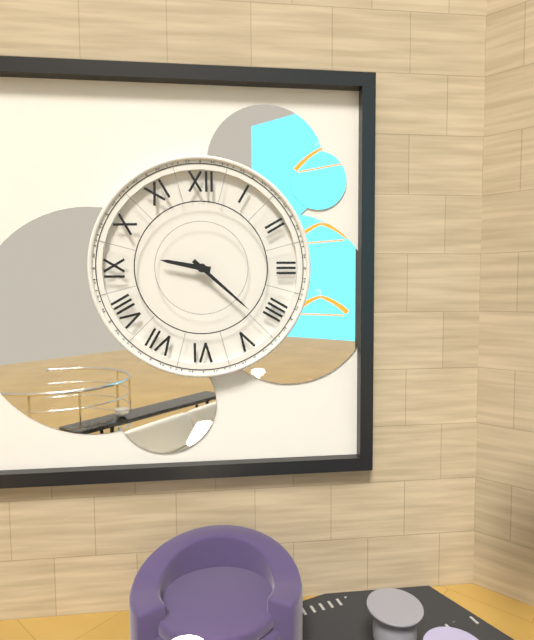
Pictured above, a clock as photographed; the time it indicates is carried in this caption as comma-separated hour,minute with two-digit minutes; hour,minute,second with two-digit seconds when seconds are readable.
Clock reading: 9,22
